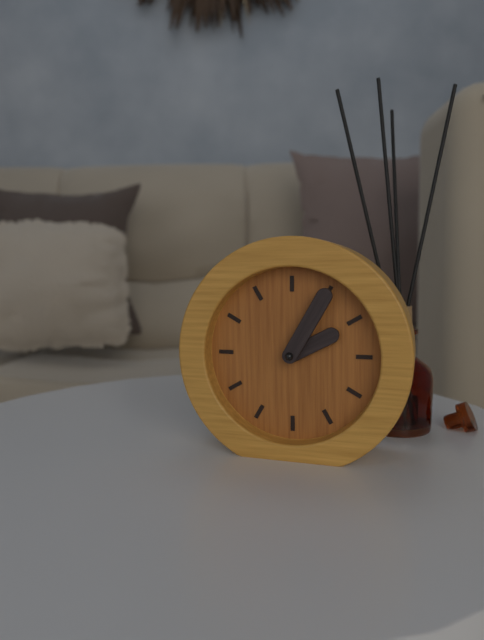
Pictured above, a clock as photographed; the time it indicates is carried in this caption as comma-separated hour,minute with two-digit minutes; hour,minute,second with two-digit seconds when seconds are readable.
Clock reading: 2,05
